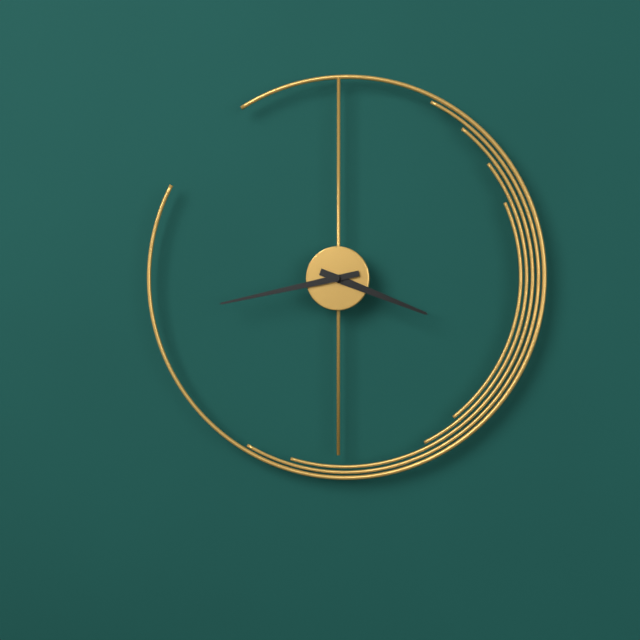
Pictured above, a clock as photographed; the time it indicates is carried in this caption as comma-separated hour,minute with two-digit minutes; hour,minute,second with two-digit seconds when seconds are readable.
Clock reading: 3,43
